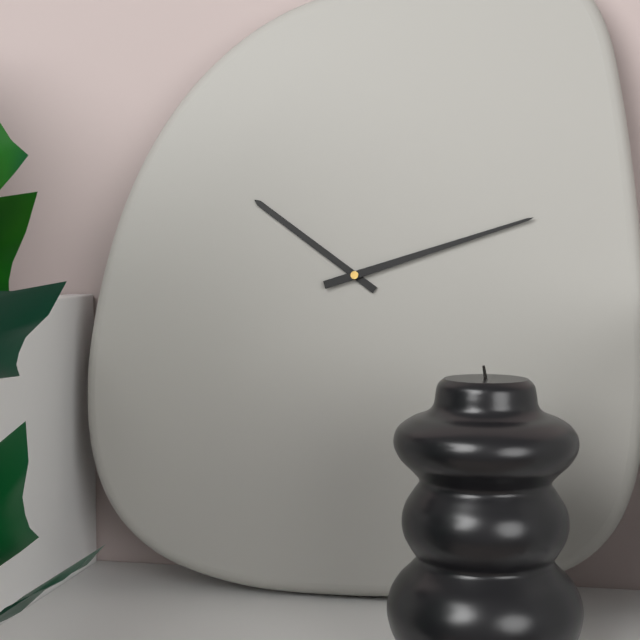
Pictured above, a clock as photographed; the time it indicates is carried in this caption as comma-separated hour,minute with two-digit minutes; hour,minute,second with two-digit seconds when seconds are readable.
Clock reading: 10,12
